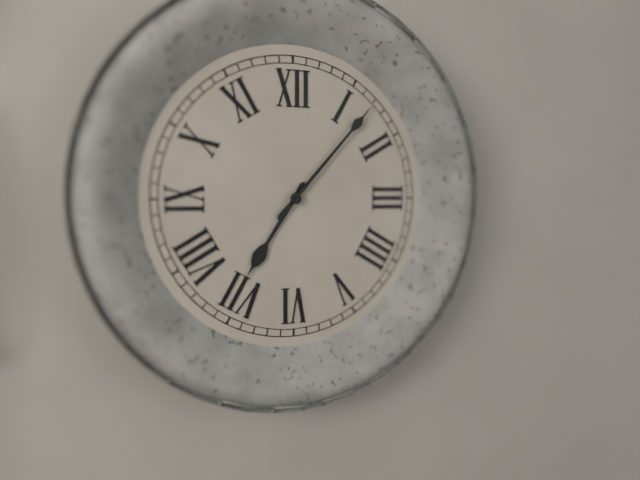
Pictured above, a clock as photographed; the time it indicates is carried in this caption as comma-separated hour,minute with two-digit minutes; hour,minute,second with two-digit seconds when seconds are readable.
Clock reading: 7,07
